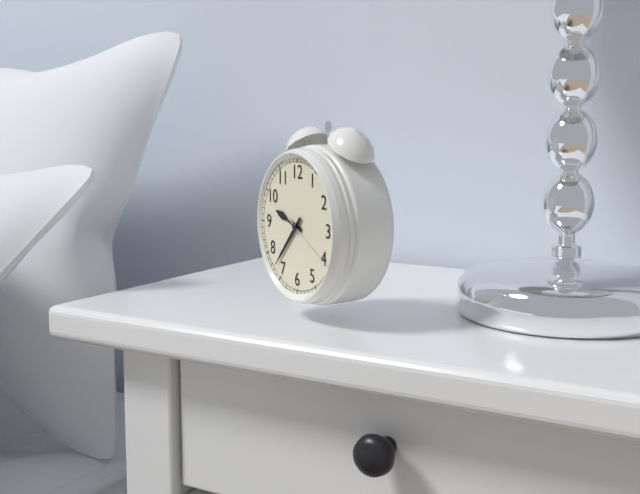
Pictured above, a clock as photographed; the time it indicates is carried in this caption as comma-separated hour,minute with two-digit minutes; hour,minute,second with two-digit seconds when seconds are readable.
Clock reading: 9,37,20
